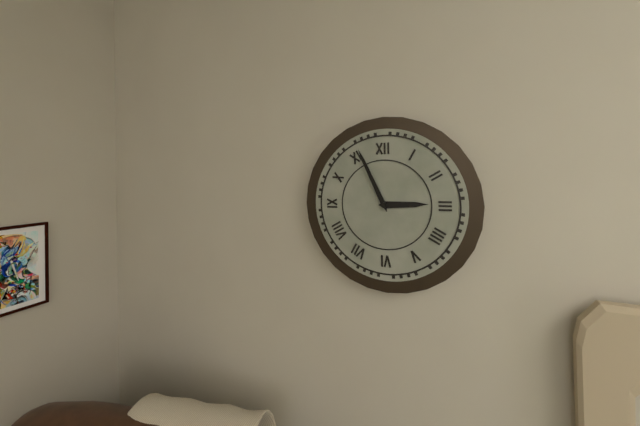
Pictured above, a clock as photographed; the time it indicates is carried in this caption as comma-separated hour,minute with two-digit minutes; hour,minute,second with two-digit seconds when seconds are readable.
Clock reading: 2,56
